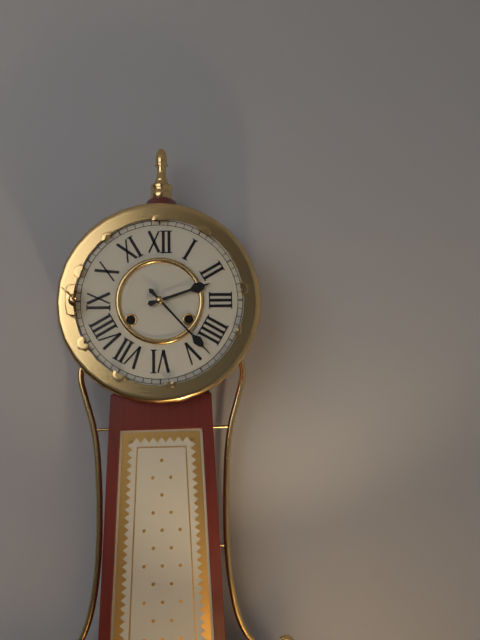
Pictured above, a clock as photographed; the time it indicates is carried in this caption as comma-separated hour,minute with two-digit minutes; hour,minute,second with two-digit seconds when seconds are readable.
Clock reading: 2,23
